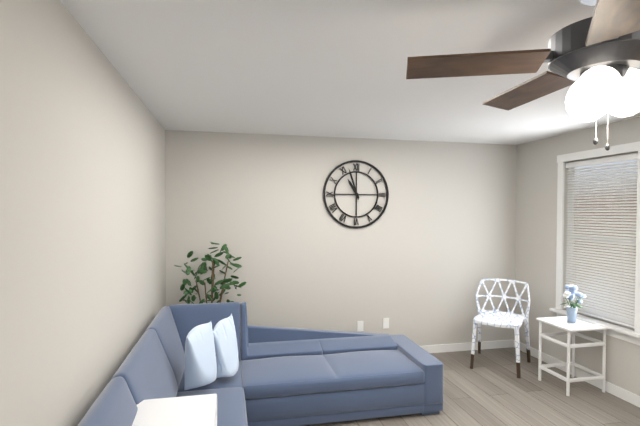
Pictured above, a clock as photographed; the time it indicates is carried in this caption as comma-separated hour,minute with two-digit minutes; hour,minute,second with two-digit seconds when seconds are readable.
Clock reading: 10,57
